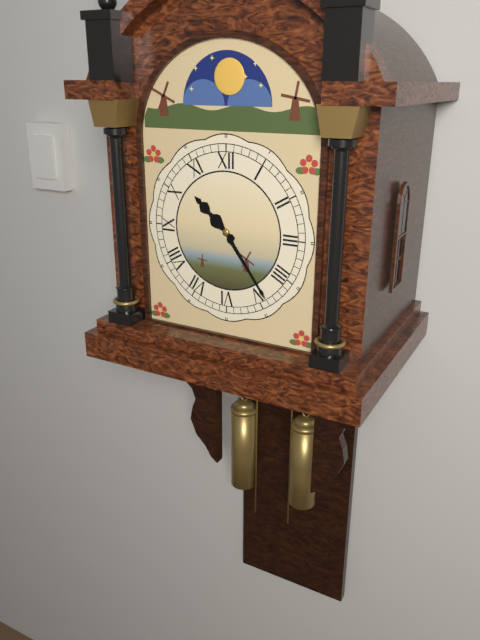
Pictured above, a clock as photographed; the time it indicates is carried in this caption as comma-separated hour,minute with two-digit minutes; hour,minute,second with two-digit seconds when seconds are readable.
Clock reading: 10,24
